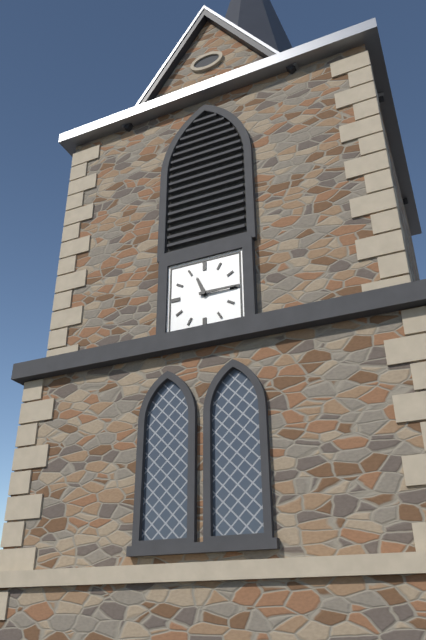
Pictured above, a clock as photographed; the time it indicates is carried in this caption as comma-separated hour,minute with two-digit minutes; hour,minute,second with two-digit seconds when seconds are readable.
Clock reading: 11,15
